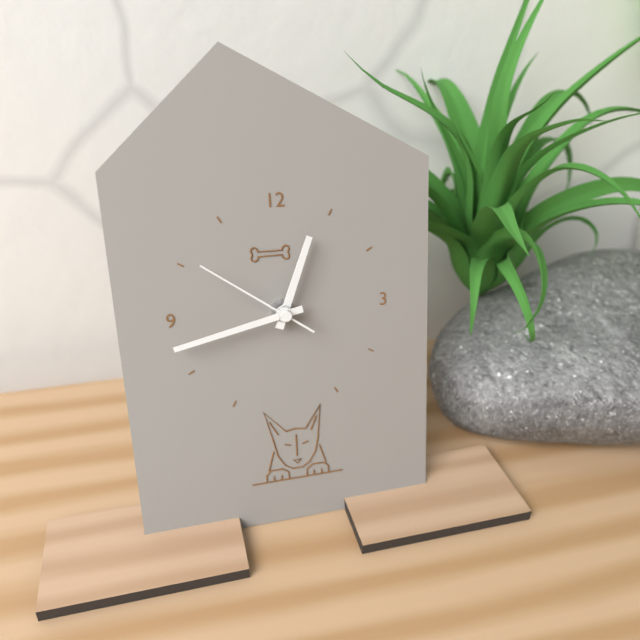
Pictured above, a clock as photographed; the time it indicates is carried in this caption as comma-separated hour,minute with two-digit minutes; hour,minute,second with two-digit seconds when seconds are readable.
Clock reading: 12,43,51
